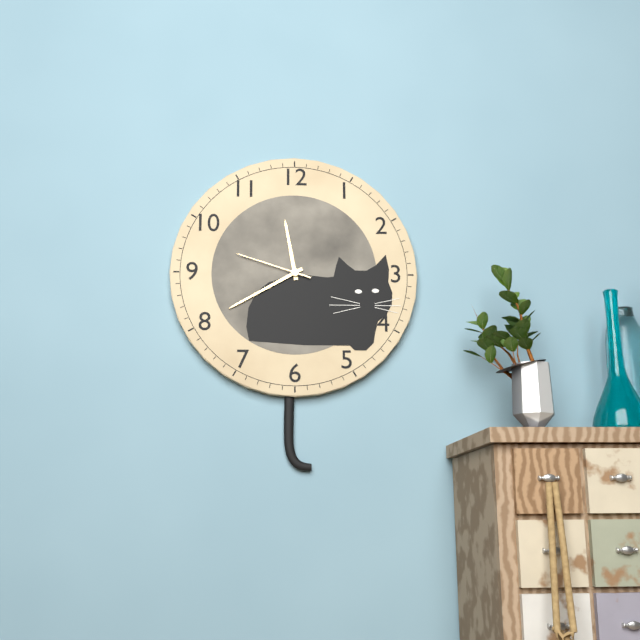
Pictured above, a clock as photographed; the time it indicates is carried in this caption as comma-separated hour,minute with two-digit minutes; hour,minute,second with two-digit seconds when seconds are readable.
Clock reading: 11,40,48
